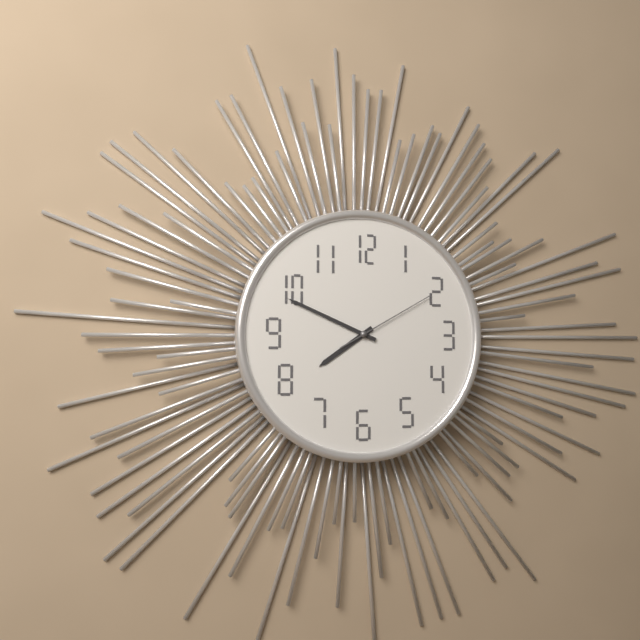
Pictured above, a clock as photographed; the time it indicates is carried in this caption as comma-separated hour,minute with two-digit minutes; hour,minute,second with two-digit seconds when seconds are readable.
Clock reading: 7,49,10
